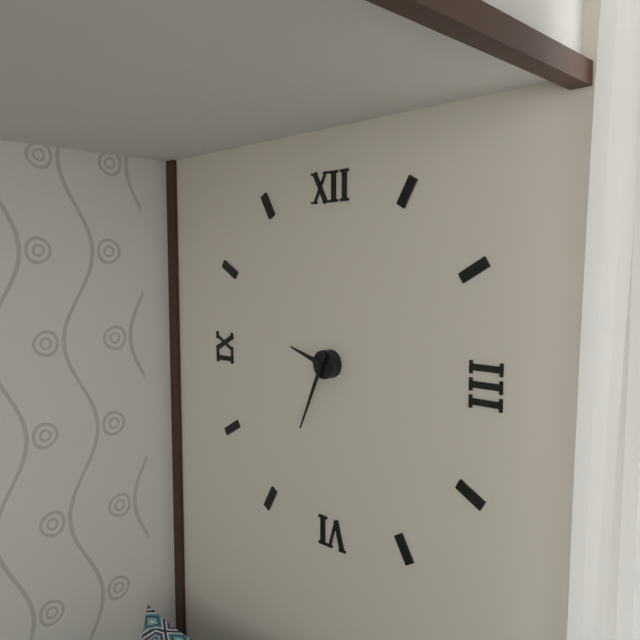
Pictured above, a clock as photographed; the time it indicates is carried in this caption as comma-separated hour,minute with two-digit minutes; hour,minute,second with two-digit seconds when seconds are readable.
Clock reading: 9,34
